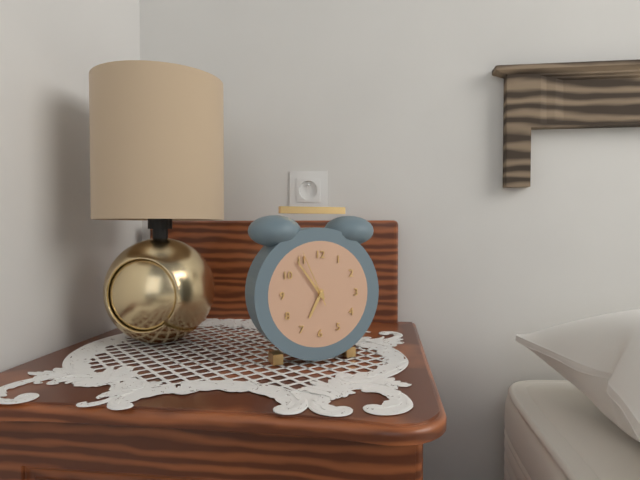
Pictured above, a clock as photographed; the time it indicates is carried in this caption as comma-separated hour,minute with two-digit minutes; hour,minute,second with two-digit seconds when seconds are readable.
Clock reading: 6,54,56
